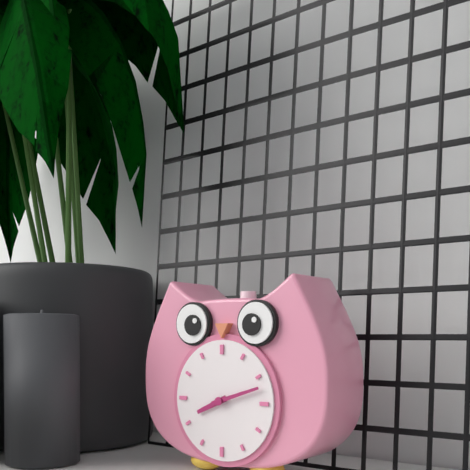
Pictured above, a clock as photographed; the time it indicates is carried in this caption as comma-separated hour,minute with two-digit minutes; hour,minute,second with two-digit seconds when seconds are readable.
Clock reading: 8,12
